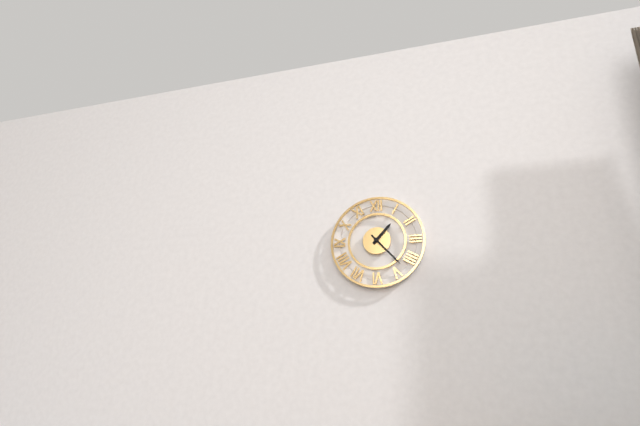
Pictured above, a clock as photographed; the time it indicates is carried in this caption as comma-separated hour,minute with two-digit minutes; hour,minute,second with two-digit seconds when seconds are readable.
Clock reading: 1,23
